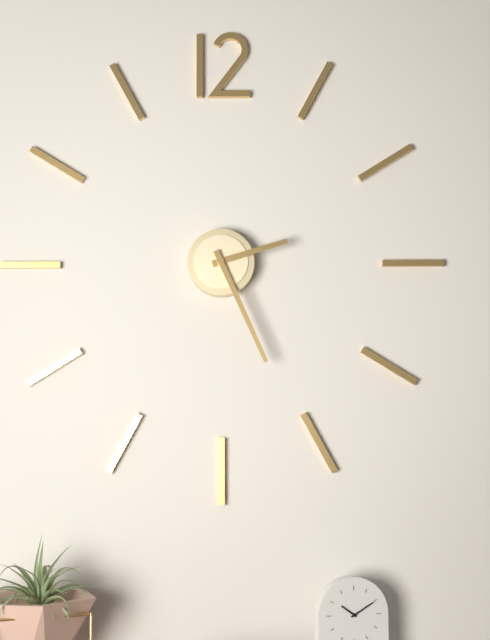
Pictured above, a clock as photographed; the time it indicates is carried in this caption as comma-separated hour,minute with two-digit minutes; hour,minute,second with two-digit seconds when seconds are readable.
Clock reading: 2,26
